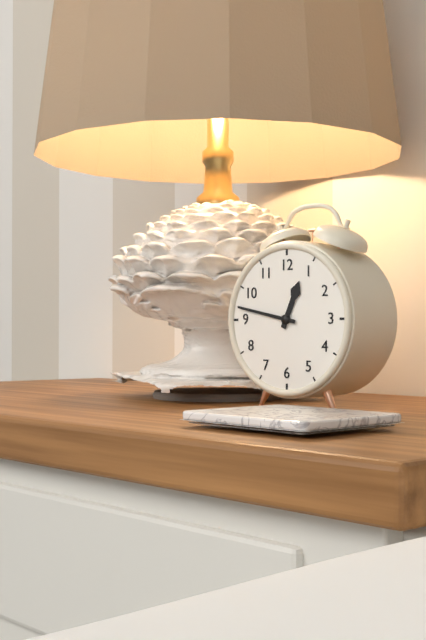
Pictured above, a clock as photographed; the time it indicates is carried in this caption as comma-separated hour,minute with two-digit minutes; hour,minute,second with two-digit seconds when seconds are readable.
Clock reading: 12,47
